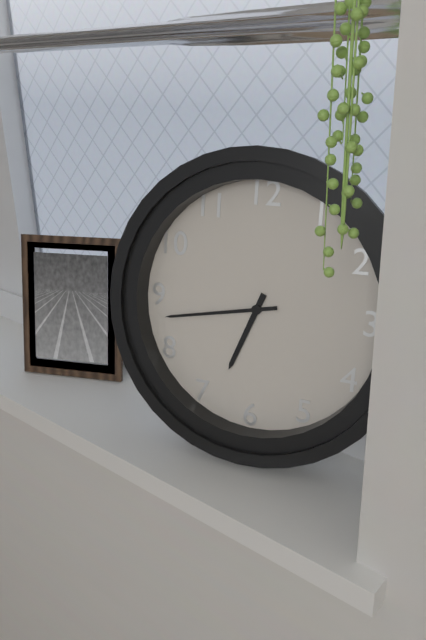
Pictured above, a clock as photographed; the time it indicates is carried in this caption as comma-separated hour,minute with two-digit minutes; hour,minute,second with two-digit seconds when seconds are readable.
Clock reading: 6,43
